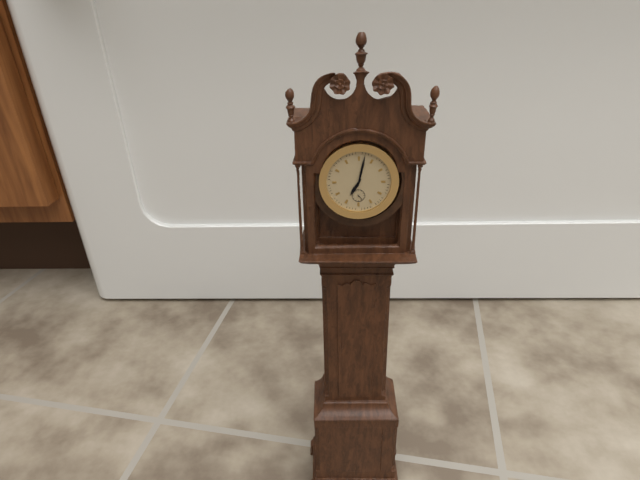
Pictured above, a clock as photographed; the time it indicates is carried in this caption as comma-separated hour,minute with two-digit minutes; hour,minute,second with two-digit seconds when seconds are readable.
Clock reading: 7,02
